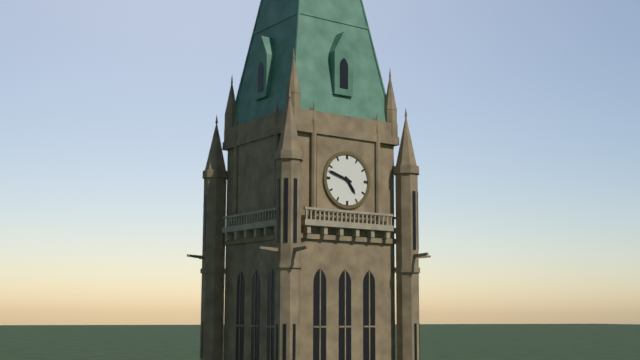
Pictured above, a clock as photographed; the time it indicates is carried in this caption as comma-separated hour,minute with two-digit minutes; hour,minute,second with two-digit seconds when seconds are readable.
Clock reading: 4,48
